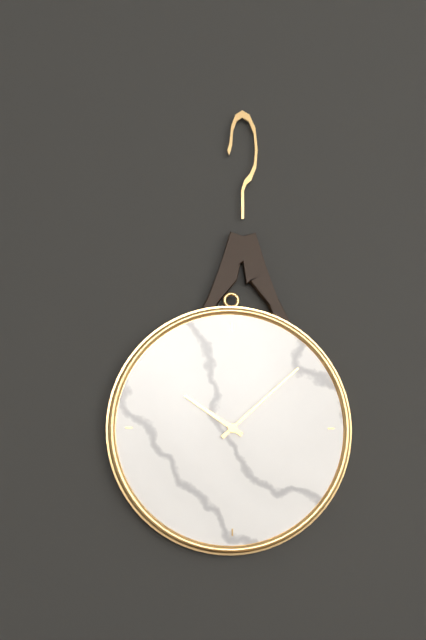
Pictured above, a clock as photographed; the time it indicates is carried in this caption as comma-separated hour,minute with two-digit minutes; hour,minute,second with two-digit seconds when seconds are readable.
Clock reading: 10,08
